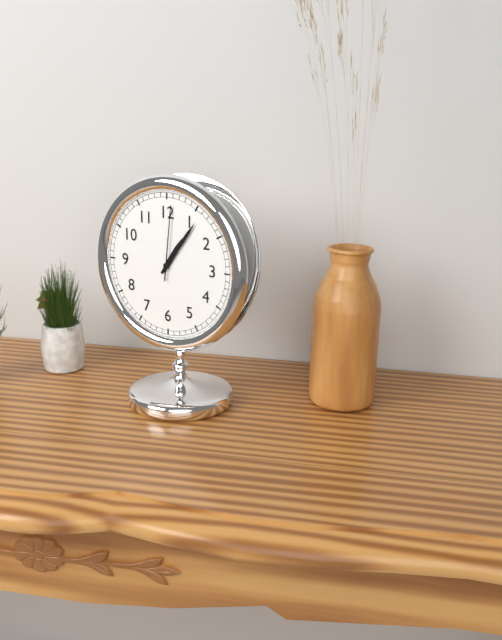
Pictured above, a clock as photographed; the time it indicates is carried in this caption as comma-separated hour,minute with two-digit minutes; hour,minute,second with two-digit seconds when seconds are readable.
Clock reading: 1,06,01
